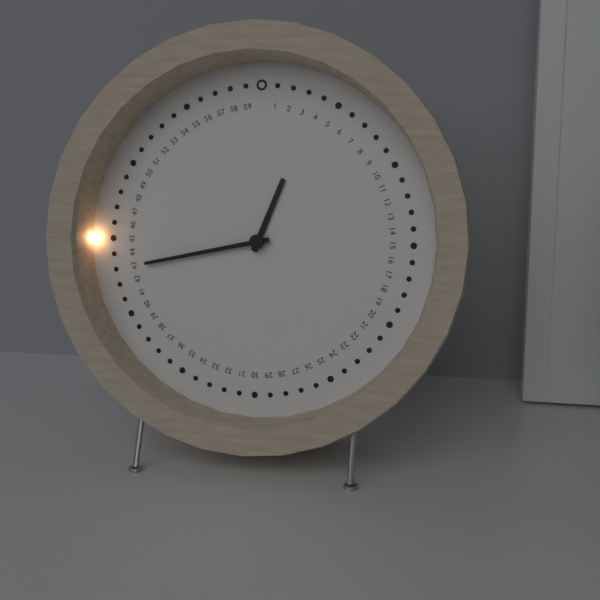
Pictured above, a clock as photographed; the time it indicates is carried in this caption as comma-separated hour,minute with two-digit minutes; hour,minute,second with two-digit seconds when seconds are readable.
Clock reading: 12,43
